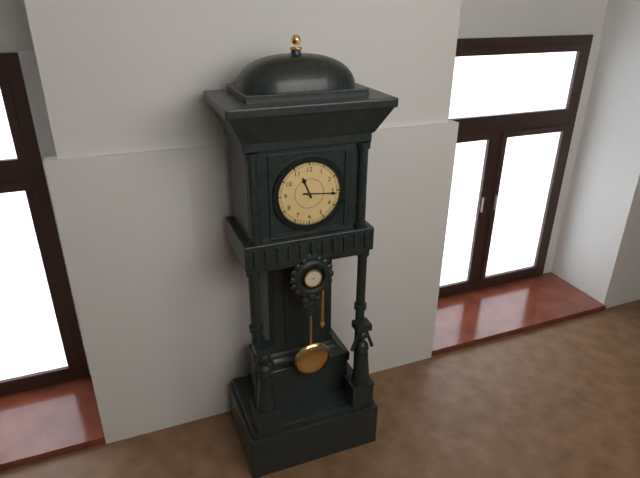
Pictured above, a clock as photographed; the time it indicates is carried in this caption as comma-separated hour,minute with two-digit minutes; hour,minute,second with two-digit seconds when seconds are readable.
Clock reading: 11,16
